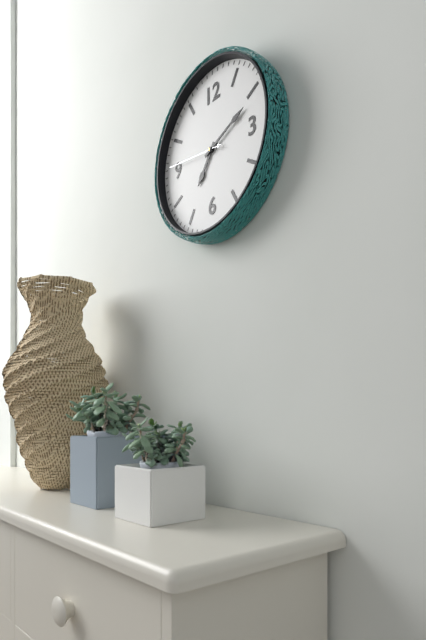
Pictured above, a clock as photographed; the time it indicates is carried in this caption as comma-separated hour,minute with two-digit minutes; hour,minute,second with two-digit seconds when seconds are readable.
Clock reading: 7,11,46
